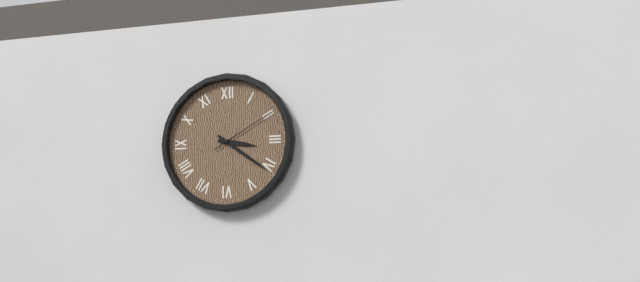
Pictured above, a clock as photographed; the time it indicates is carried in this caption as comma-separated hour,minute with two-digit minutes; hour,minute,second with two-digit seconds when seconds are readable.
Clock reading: 3,21,10
